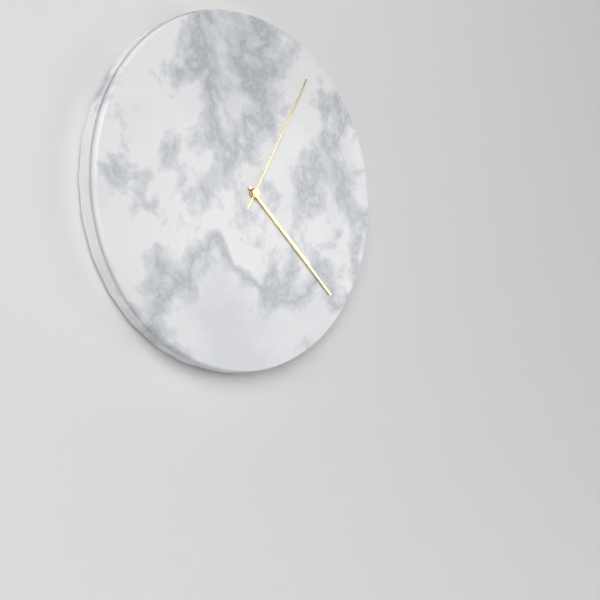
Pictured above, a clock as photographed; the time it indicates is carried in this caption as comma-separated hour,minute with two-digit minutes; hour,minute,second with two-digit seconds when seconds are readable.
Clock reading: 4,22,05
